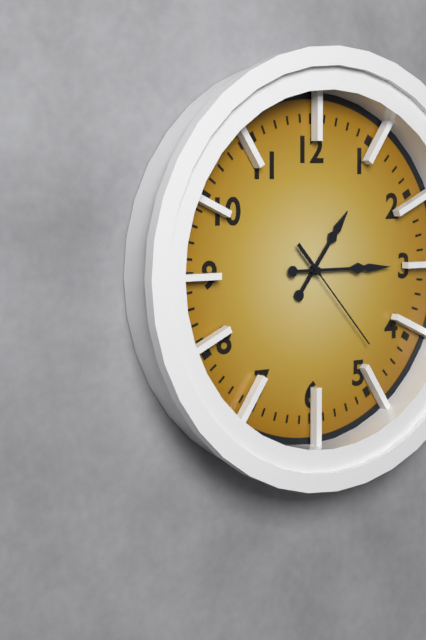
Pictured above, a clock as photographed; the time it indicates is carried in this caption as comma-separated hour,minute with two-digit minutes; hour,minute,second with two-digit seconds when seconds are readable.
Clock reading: 1,15,23
